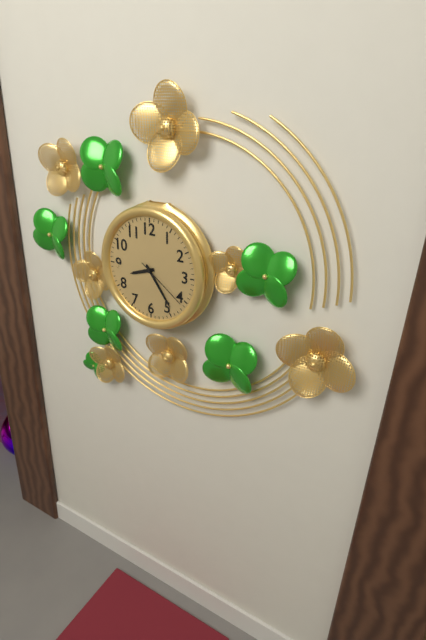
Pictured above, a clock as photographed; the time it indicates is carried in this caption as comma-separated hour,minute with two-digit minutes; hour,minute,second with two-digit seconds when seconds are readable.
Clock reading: 8,24,21
